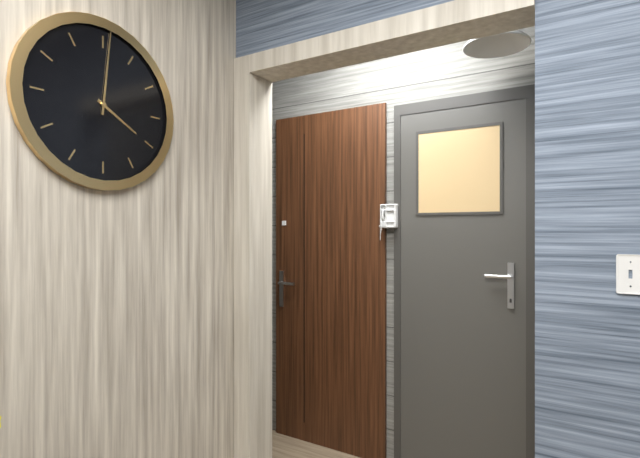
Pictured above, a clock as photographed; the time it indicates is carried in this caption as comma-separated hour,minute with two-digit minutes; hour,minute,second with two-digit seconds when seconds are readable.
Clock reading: 4,01
